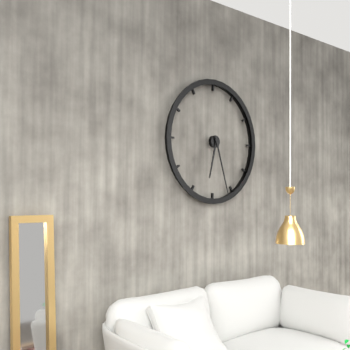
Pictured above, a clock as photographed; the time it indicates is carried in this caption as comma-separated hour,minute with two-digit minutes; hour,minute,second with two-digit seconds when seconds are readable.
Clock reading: 6,27
